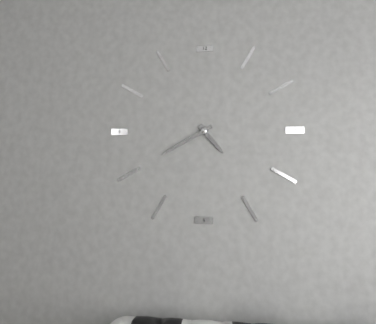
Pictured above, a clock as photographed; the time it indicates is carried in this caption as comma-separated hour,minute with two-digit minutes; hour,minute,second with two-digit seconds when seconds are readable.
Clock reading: 4,40
